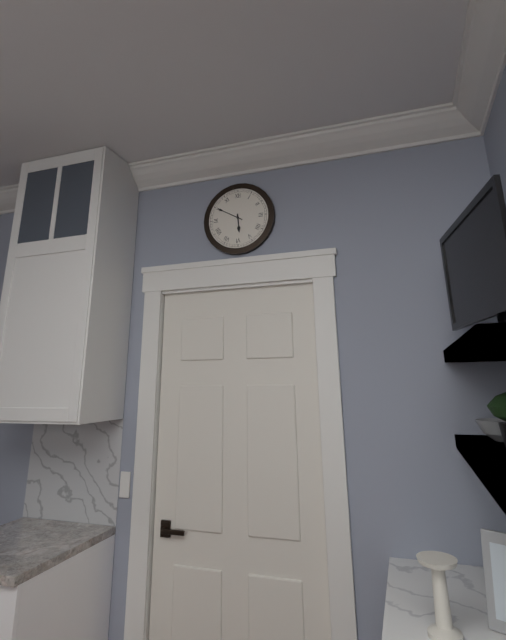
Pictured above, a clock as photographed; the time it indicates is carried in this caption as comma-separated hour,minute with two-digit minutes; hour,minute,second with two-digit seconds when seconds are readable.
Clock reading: 5,50
